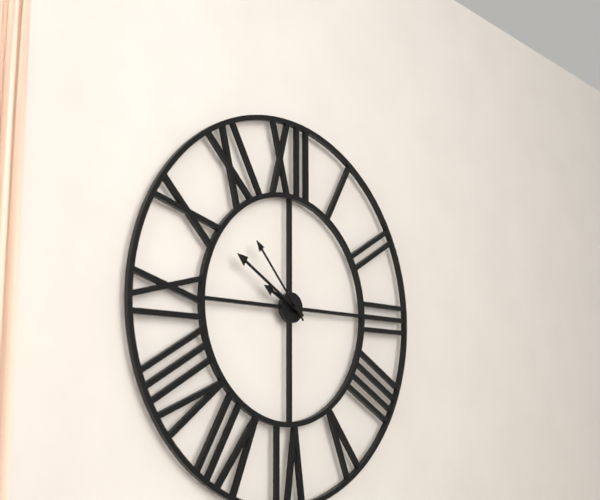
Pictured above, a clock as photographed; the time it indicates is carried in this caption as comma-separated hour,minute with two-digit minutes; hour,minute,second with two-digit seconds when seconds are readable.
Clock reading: 9,50,53
